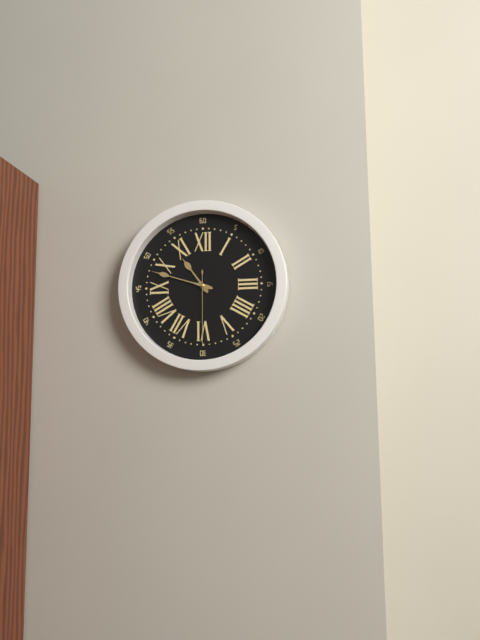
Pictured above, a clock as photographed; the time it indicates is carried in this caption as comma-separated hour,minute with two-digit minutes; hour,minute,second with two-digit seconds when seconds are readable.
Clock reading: 10,48,30
